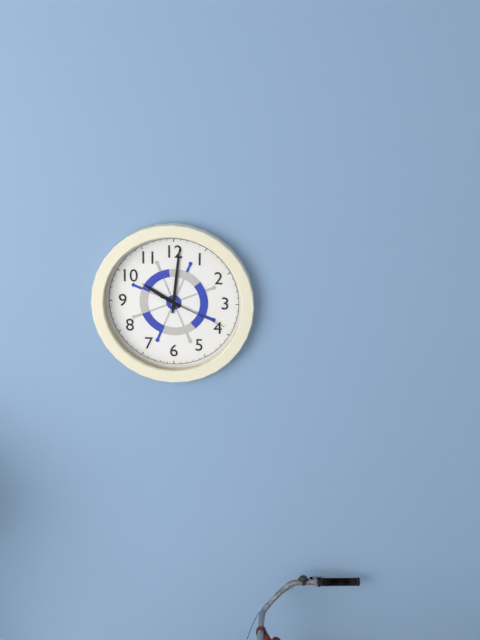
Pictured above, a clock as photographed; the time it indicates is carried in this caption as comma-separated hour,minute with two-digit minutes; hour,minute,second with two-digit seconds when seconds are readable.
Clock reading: 10,01,19
